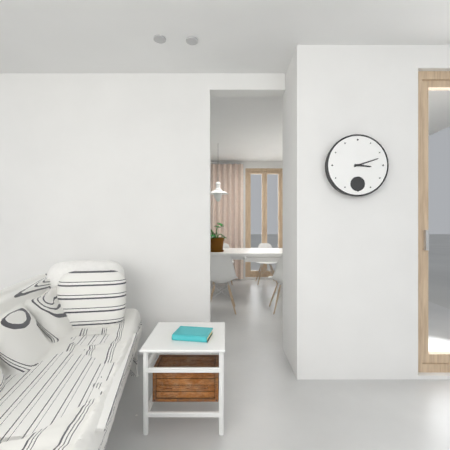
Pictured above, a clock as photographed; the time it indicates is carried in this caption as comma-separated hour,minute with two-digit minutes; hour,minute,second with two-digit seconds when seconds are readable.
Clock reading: 3,12
